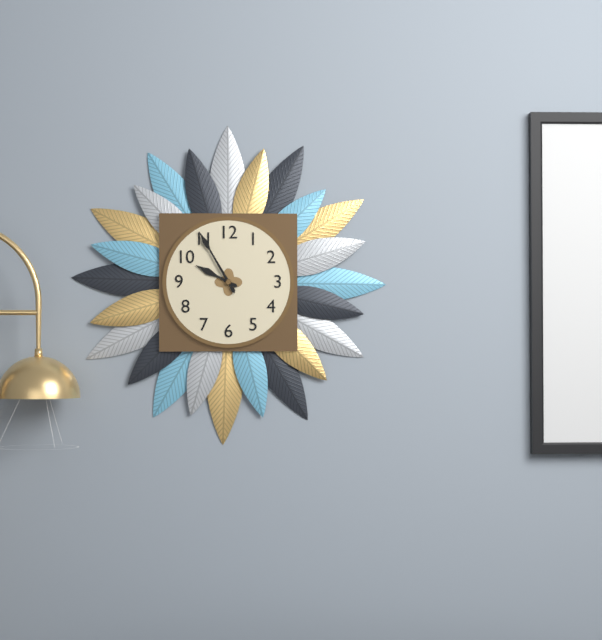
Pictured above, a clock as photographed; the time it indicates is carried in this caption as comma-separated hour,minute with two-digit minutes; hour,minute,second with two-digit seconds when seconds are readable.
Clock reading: 9,55
